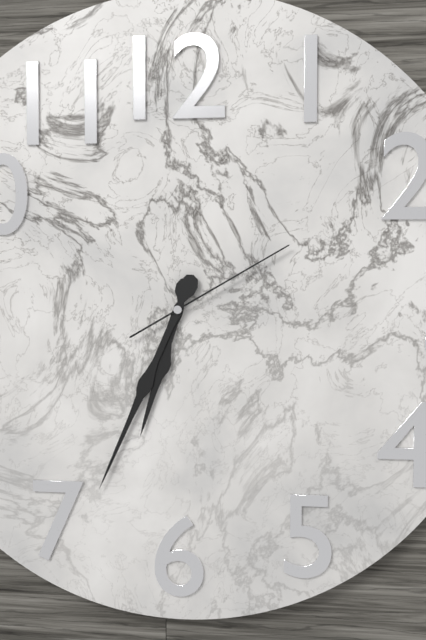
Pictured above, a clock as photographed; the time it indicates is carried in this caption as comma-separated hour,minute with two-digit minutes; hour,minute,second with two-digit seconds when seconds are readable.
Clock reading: 6,34,10
